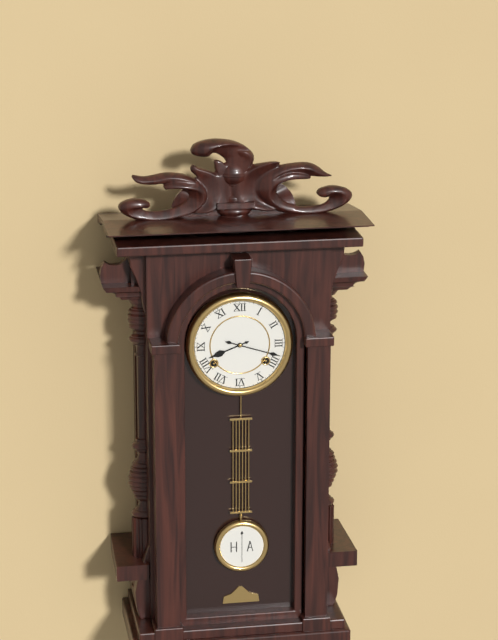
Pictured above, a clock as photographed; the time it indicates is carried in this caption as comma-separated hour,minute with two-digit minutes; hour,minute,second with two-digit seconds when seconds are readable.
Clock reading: 8,18
